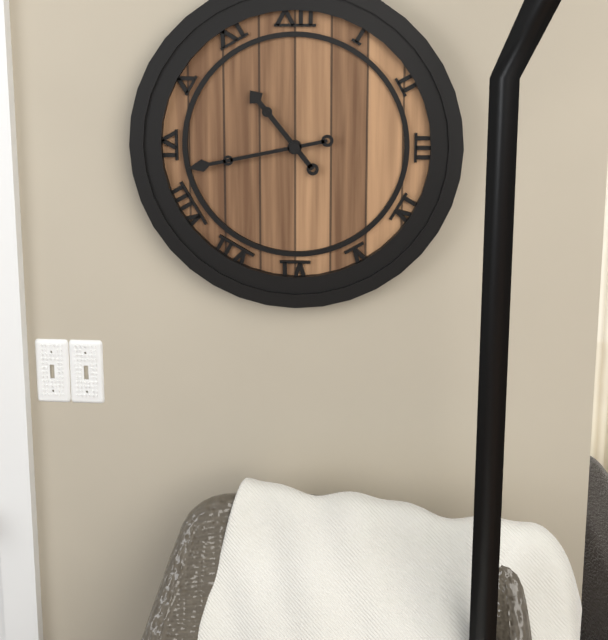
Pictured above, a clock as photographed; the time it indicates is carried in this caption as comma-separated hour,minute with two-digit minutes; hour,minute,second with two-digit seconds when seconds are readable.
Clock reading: 10,43
